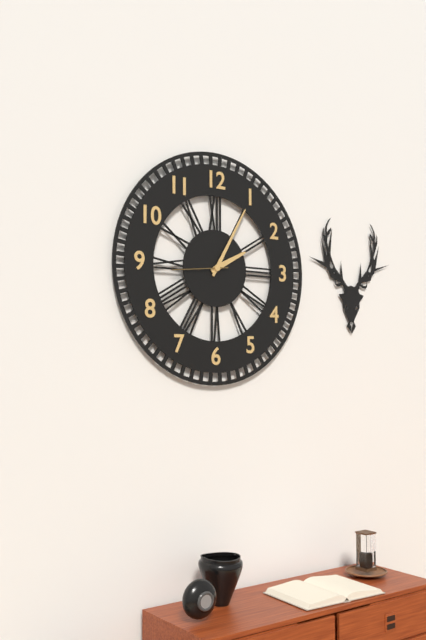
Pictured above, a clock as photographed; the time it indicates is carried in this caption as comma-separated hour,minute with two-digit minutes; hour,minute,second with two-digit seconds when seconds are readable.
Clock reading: 2,05,44
